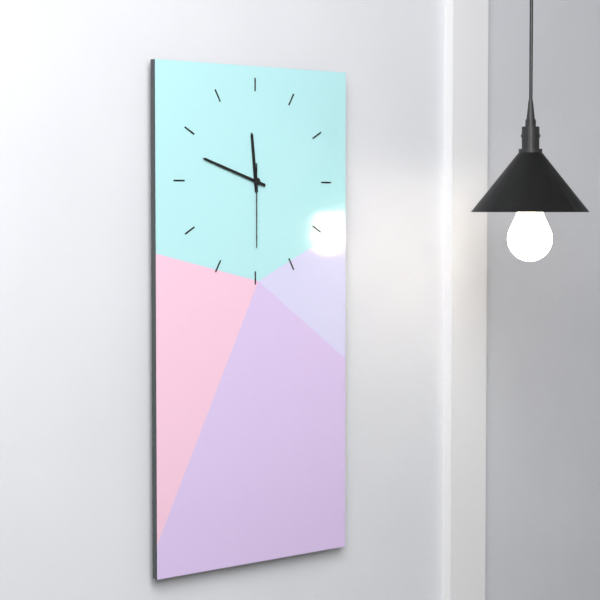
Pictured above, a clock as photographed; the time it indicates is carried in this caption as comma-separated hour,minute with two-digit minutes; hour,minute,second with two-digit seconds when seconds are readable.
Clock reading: 11,48,30
